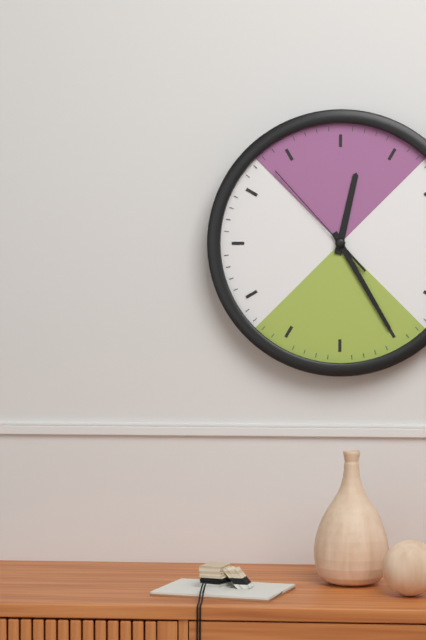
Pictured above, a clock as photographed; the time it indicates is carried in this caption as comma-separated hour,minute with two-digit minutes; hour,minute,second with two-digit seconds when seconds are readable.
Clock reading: 12,25,53
